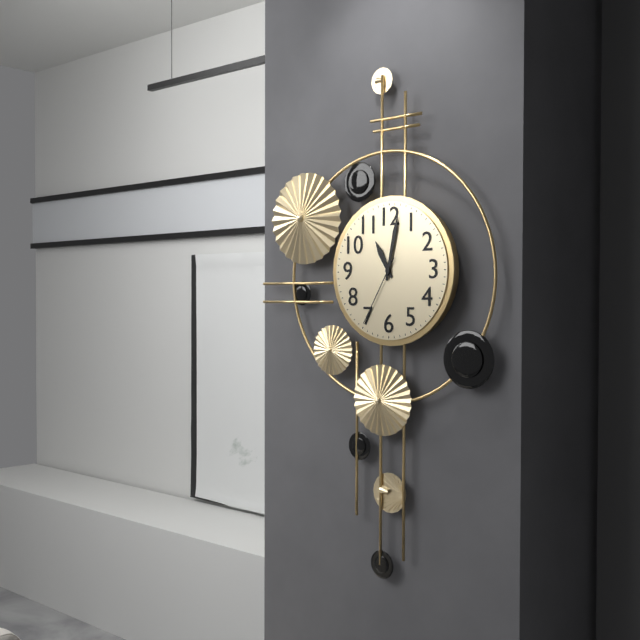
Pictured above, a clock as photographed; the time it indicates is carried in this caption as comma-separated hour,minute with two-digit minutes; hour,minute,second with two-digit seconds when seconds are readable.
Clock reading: 11,02,35
